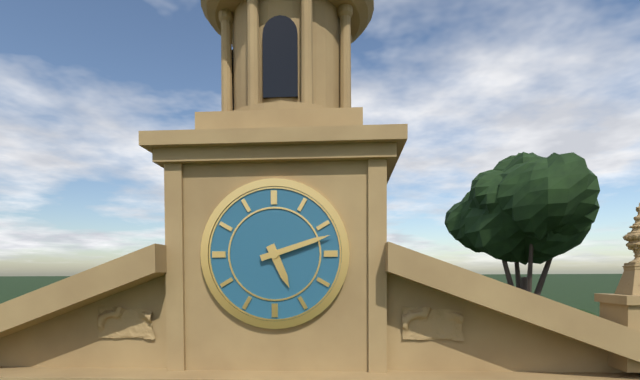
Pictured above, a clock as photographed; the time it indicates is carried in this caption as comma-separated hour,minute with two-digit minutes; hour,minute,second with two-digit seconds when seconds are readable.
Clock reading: 5,12
